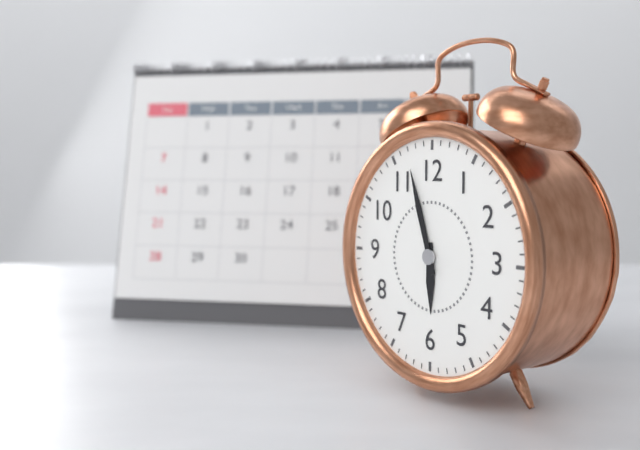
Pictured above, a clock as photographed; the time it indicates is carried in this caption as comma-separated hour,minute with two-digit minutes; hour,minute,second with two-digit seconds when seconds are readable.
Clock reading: 5,57
